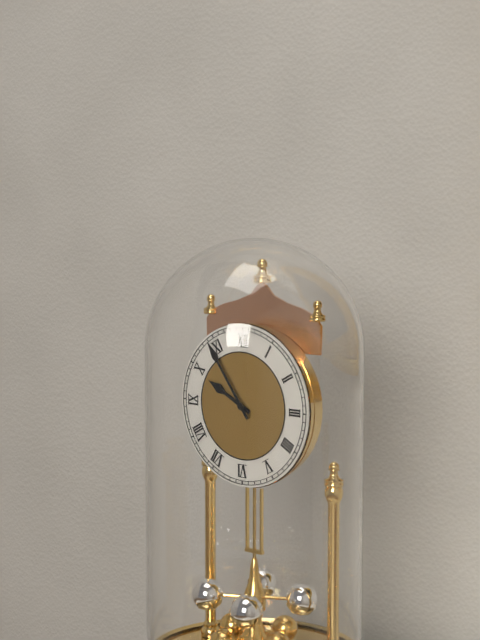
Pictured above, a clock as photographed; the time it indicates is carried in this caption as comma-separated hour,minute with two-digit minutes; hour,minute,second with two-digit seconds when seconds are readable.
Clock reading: 9,54
